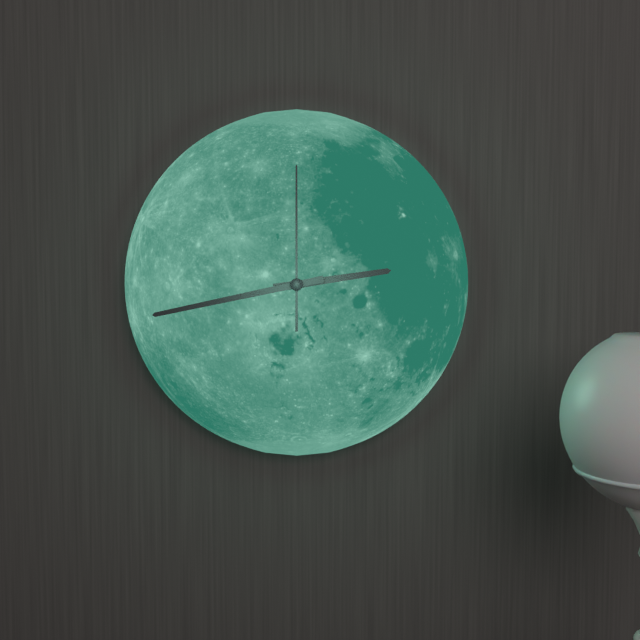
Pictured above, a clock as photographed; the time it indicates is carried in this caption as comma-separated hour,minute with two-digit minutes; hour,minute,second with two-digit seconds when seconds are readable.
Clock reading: 2,43,00
